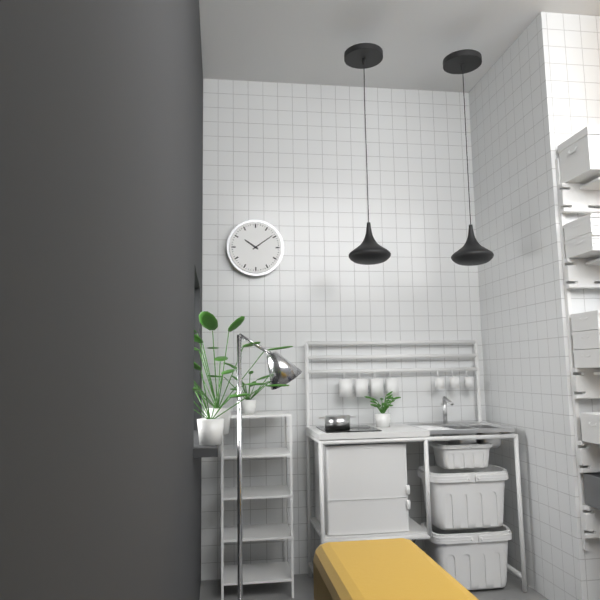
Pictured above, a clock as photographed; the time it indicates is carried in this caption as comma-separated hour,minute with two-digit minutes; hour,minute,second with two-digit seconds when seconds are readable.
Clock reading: 10,09
